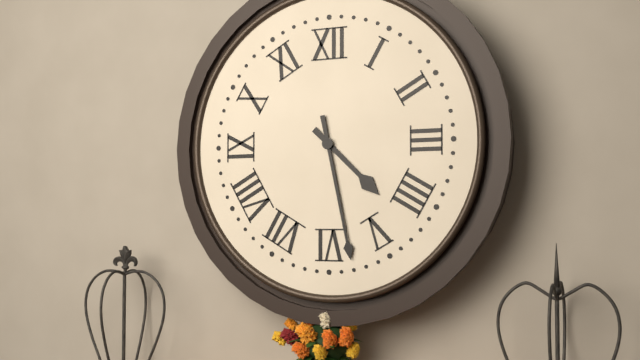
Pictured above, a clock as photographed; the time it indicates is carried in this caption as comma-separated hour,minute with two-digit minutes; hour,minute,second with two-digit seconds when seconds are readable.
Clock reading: 4,28
